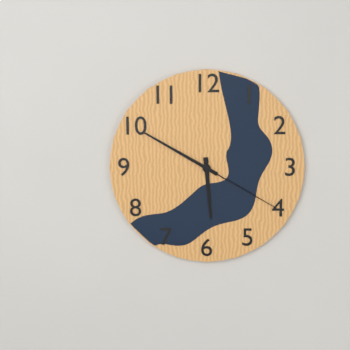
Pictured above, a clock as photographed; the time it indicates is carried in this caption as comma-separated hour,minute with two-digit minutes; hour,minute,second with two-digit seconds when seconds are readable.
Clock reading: 5,50,20
